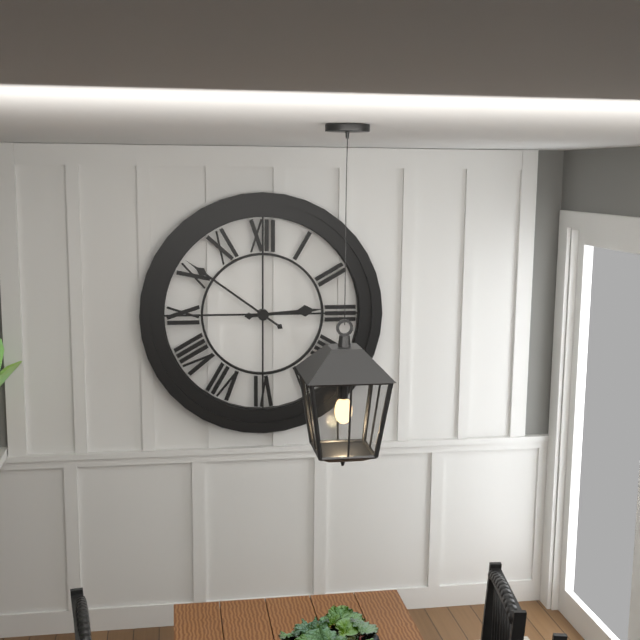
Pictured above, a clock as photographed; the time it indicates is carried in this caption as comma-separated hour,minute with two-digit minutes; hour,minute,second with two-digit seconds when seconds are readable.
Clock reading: 2,51
